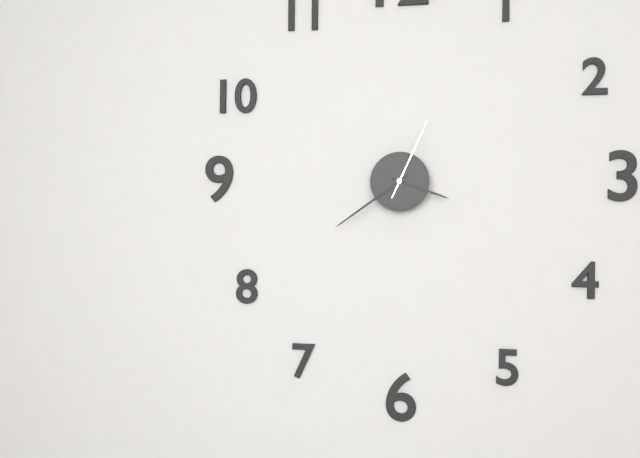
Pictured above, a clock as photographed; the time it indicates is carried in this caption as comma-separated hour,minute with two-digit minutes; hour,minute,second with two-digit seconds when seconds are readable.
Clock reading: 3,39,04
